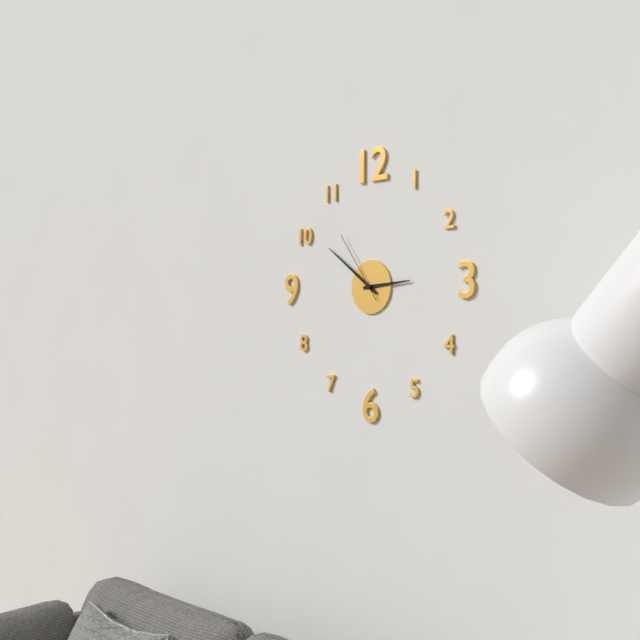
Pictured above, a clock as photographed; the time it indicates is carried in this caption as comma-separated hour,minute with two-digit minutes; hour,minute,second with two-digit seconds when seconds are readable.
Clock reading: 2,51,54
